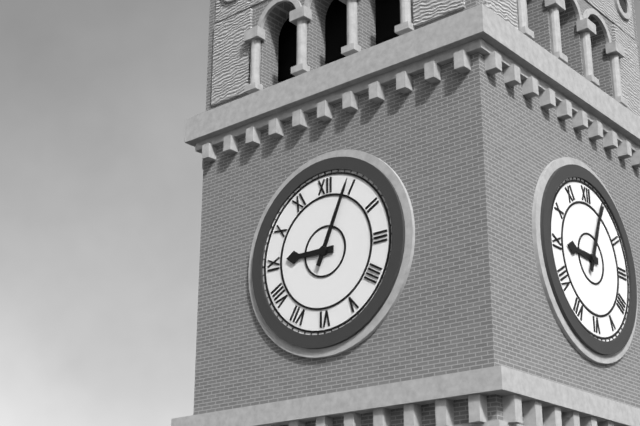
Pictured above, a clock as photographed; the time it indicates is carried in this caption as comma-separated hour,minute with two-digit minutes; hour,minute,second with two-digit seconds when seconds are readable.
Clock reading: 9,04
